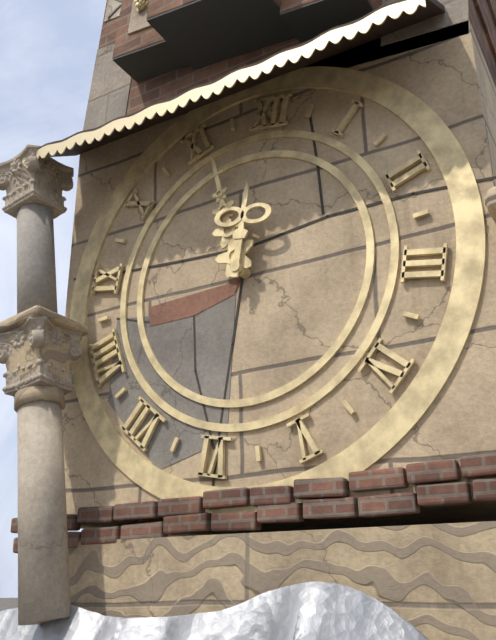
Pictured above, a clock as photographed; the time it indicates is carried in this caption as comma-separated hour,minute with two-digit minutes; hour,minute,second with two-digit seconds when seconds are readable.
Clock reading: 11,56
